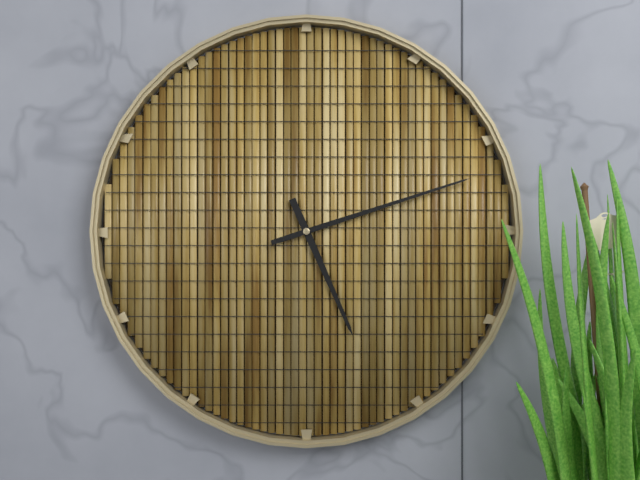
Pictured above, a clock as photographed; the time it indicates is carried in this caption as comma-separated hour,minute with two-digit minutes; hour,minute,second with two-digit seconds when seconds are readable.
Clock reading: 5,12
